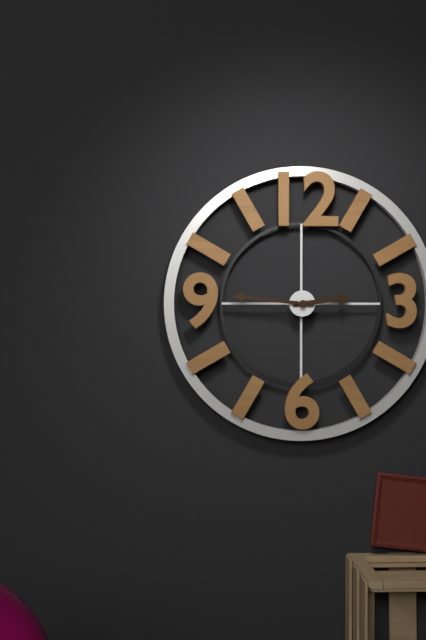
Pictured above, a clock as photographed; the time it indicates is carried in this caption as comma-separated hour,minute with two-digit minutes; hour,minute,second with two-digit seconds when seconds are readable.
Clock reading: 2,46
